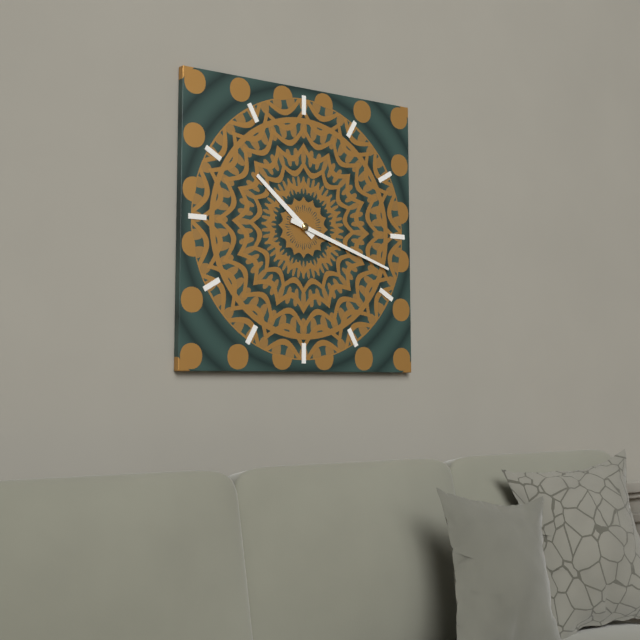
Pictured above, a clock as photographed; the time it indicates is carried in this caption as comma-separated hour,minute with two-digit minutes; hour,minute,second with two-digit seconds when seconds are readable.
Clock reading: 10,18
